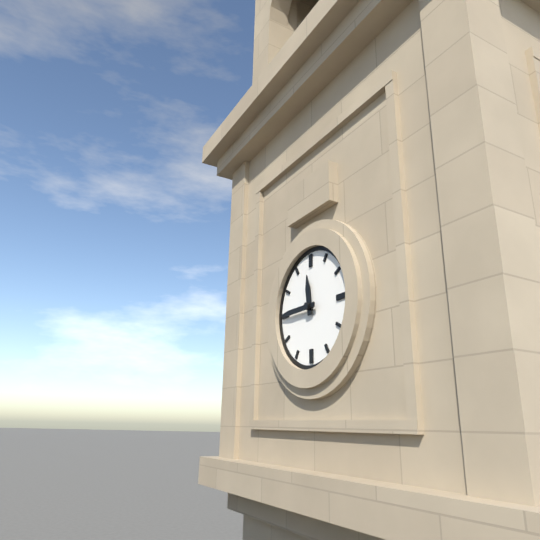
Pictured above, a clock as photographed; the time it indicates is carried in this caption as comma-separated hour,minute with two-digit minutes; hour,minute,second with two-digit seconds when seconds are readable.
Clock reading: 11,45
